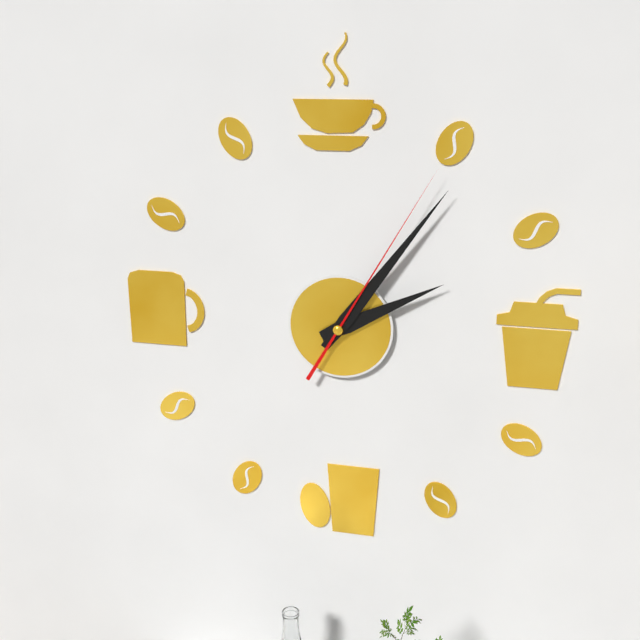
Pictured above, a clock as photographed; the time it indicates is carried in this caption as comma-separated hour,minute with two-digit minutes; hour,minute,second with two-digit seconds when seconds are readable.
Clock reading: 2,06,05
